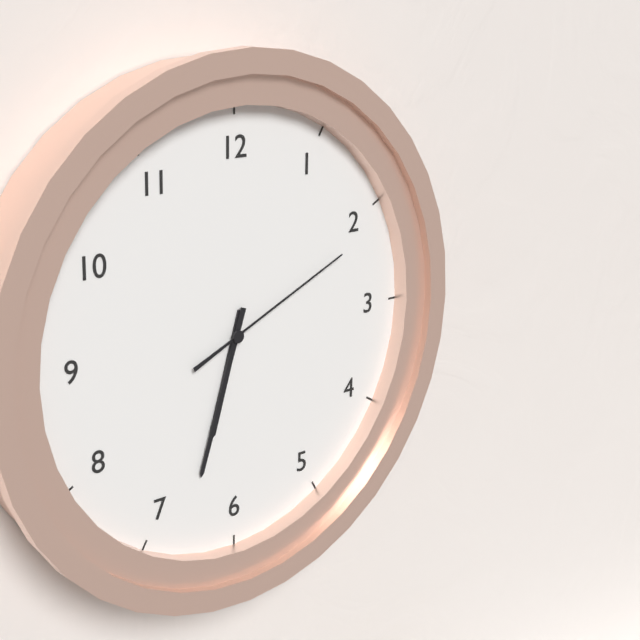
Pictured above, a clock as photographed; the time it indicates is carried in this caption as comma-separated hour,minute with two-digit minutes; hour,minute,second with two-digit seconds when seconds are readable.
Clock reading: 6,33,11
